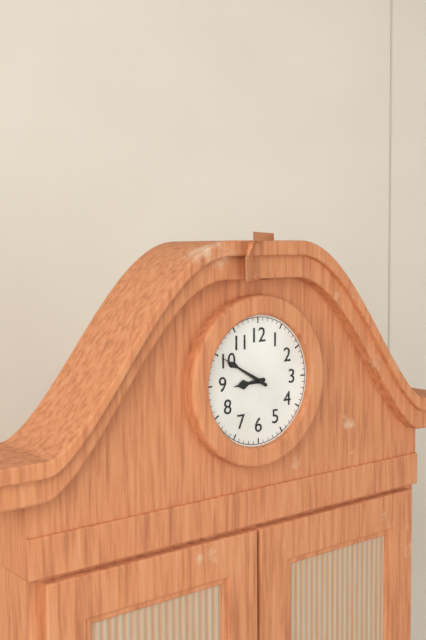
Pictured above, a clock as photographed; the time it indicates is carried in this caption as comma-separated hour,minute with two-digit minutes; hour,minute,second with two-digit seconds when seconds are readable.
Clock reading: 8,50
